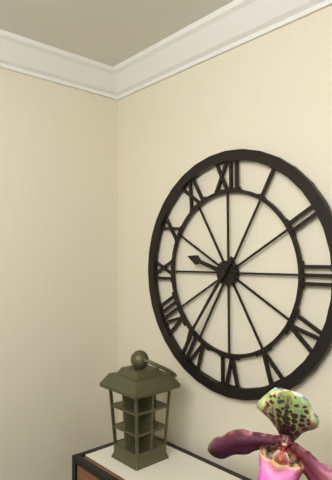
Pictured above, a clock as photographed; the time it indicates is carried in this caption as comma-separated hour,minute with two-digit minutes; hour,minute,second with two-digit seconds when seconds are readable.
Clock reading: 9,36
